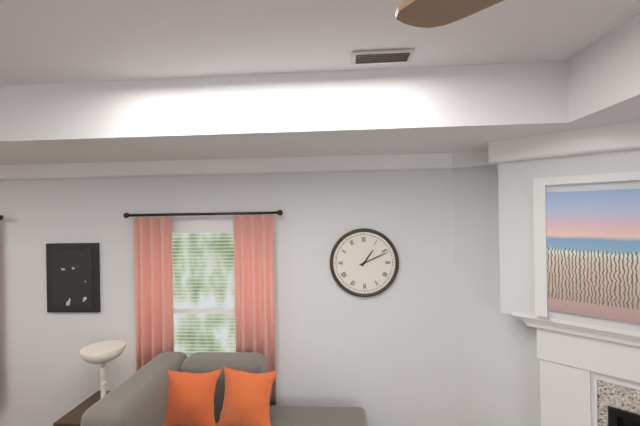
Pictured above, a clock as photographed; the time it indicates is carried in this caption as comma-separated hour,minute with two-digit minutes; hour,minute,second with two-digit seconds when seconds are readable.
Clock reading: 1,11
